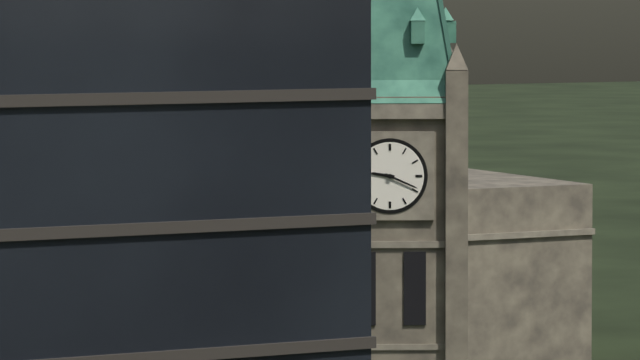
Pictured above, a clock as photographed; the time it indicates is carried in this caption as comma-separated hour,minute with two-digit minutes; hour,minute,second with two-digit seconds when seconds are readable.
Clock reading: 9,19
